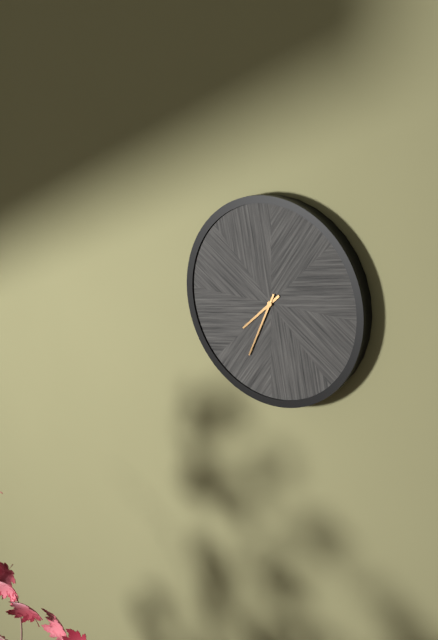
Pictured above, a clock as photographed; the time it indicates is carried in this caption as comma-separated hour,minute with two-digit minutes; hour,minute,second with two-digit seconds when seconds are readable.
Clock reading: 7,34
